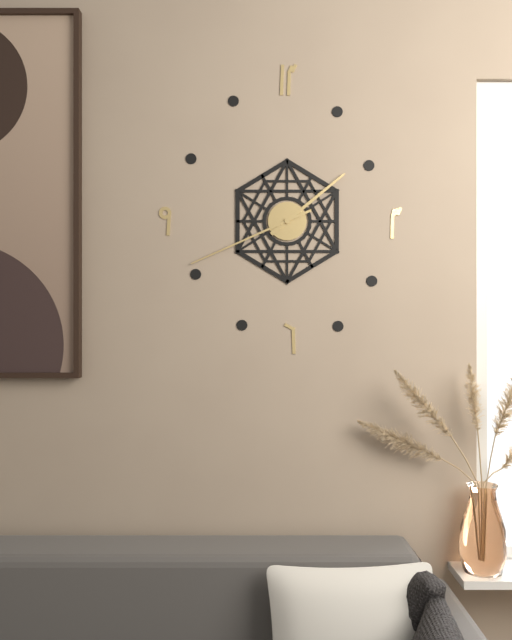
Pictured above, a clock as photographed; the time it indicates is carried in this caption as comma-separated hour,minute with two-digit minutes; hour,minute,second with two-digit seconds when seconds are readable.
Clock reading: 1,41
